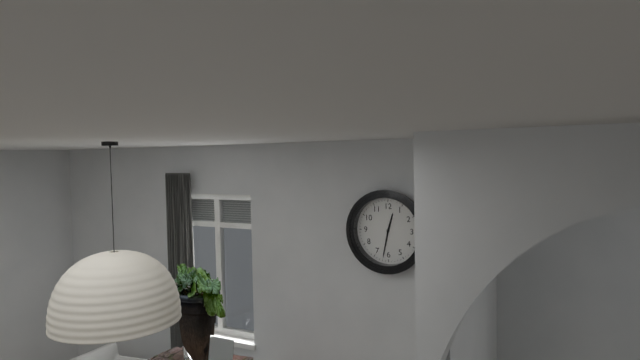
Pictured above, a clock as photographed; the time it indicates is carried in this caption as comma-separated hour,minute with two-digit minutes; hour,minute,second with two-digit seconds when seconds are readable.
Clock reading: 12,32
